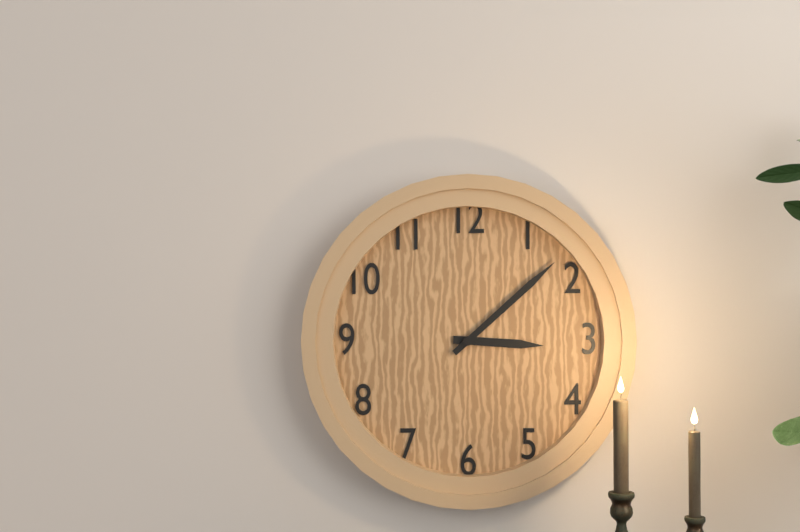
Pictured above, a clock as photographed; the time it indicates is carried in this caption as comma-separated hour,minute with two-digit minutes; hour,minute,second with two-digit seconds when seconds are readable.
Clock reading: 3,08
